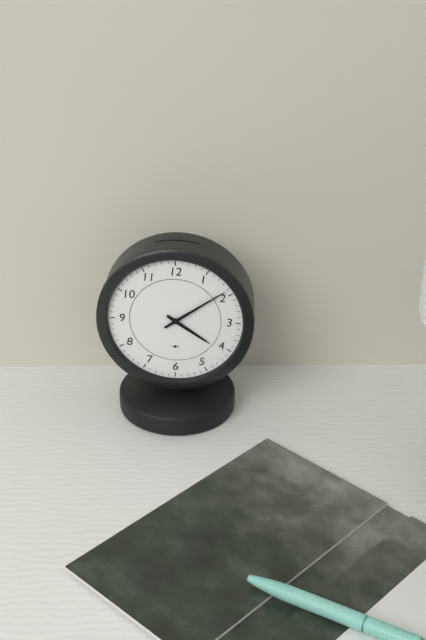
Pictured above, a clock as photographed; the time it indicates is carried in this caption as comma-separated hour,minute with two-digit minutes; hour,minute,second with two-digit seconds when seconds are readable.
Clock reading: 4,09
